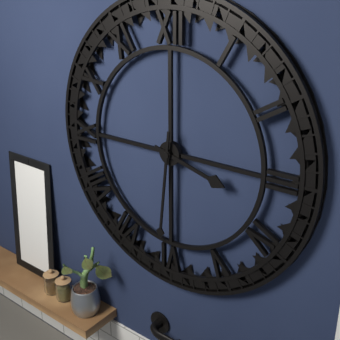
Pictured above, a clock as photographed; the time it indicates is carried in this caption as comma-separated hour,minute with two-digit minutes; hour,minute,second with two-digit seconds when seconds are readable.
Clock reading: 3,31
